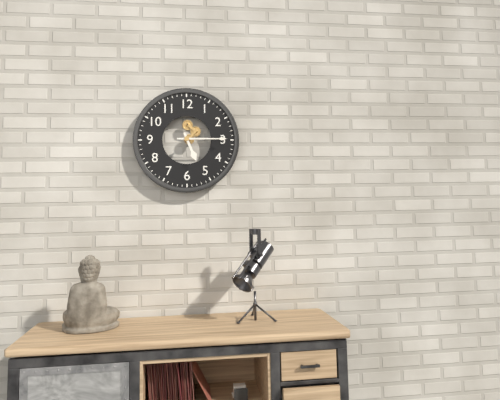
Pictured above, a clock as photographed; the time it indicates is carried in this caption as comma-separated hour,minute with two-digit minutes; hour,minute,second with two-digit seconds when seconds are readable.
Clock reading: 5,15
